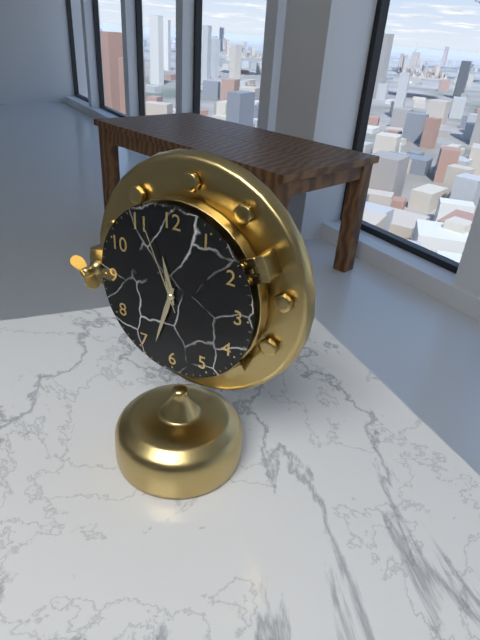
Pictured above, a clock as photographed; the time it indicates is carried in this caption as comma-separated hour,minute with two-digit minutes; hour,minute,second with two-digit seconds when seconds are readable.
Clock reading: 11,33,56
